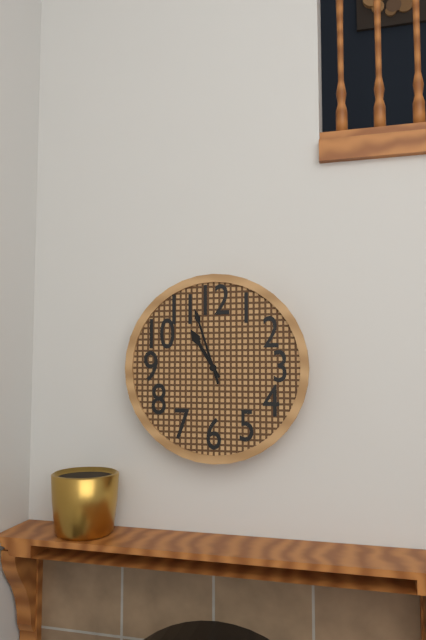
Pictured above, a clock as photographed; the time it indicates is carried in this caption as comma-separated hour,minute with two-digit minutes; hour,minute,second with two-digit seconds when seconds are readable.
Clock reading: 10,57
